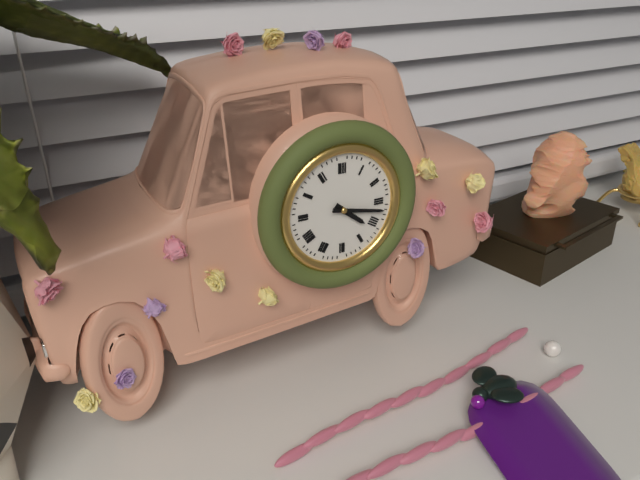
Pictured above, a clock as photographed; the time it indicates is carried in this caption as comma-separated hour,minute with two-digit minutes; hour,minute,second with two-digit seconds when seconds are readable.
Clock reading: 4,17
